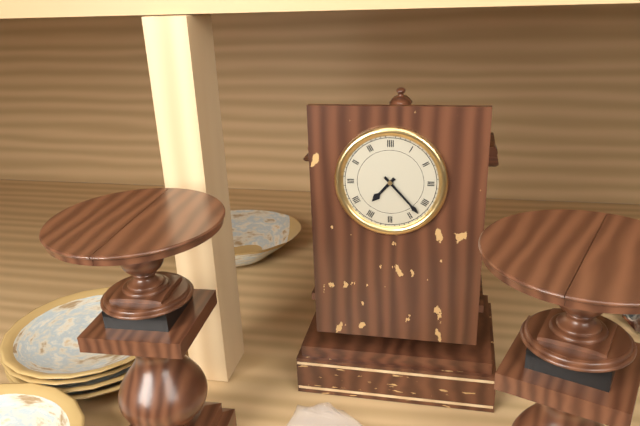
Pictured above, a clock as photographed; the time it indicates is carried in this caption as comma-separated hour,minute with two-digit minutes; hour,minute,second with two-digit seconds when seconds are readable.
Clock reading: 7,23
